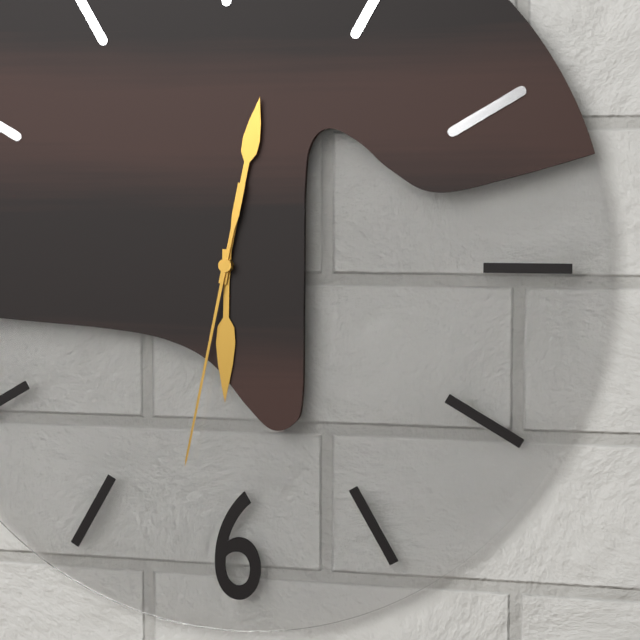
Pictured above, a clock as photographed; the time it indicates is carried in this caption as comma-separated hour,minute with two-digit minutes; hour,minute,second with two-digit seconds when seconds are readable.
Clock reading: 6,02,32
